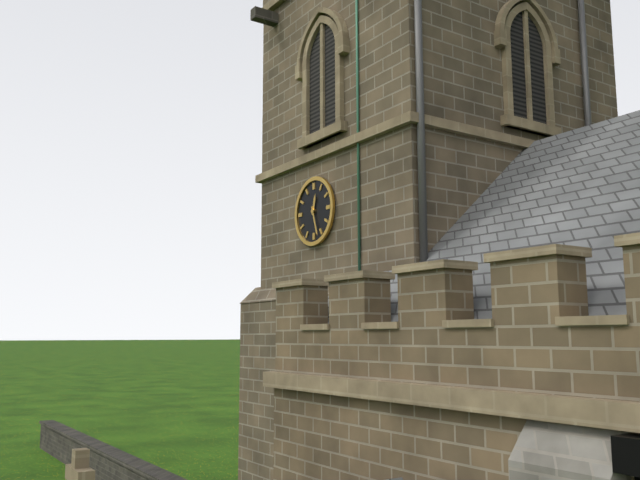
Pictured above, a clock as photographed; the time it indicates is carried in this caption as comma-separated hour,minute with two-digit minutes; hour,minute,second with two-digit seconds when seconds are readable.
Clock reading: 12,27
